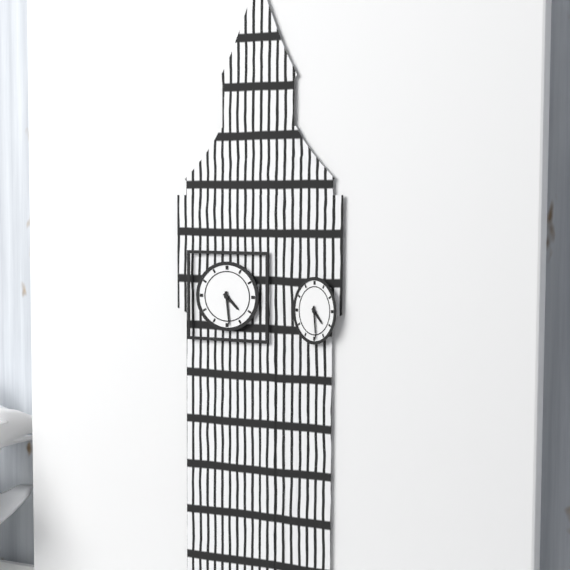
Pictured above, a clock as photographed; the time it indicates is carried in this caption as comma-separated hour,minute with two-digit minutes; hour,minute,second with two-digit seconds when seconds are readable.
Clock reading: 4,29
